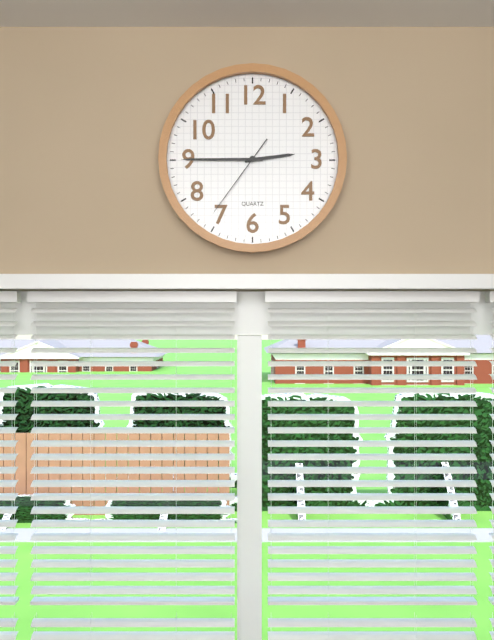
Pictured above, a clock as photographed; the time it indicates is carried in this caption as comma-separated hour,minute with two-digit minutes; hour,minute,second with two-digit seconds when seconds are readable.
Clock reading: 2,45,36
